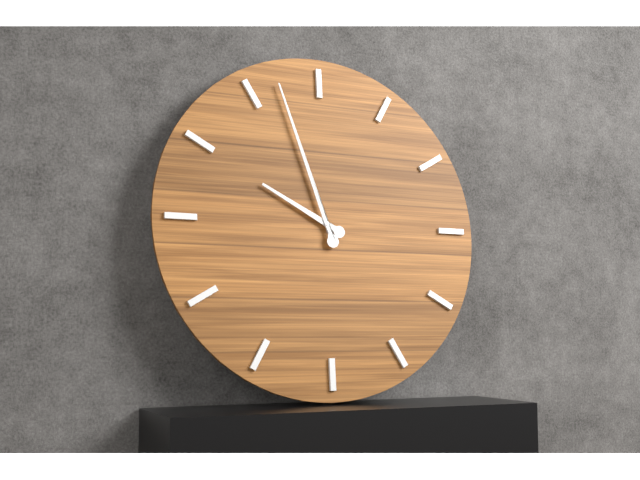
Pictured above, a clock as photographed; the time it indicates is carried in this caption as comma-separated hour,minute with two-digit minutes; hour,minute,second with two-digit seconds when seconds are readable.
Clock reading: 9,57
